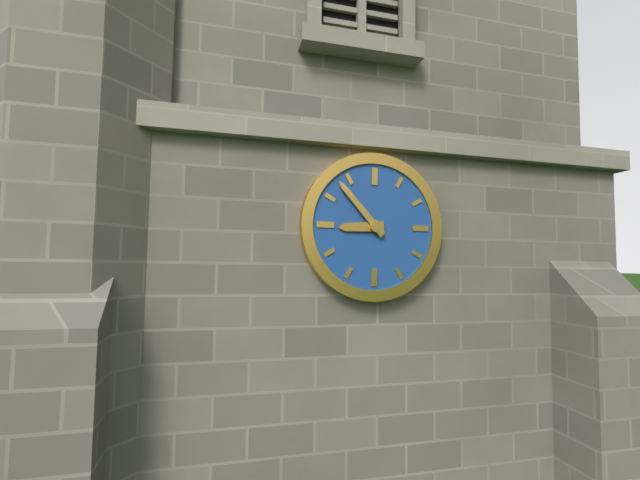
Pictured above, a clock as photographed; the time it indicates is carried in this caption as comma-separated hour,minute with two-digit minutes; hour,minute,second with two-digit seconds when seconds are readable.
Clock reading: 8,53
